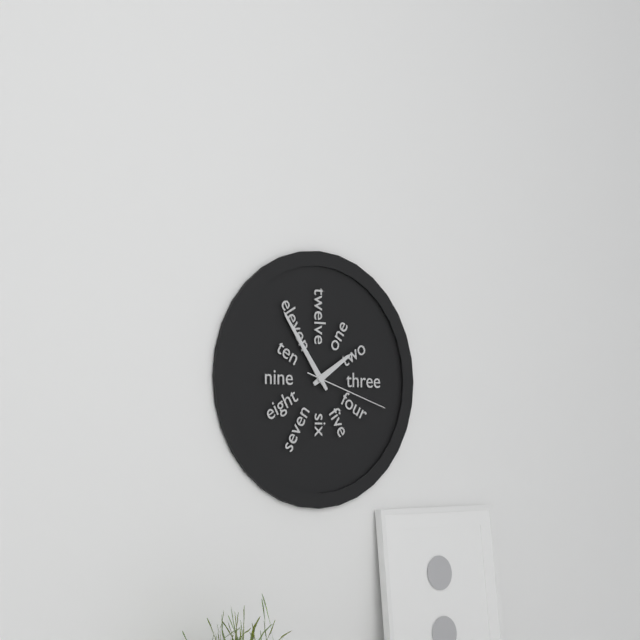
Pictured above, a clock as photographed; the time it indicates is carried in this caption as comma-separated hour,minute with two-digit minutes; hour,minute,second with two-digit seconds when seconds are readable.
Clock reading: 1,54,18
